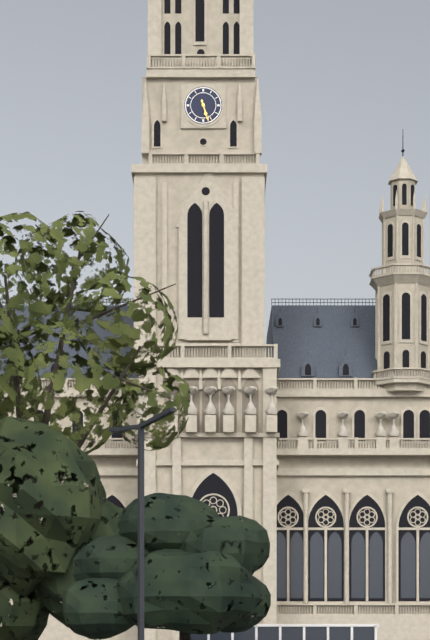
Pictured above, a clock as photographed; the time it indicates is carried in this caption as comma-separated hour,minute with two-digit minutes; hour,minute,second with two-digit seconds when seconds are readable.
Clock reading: 5,27
